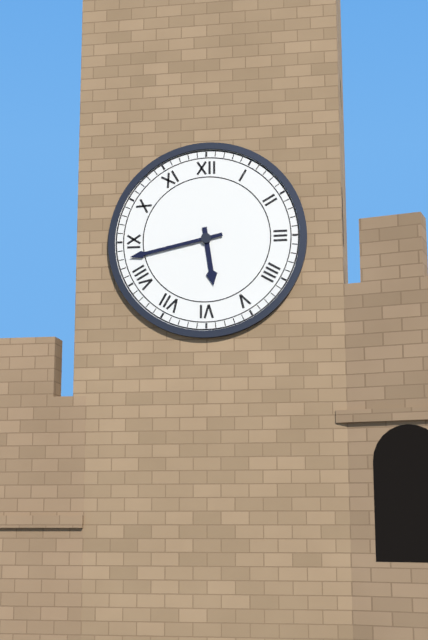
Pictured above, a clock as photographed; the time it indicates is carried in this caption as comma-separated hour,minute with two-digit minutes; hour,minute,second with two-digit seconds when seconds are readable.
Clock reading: 5,43
